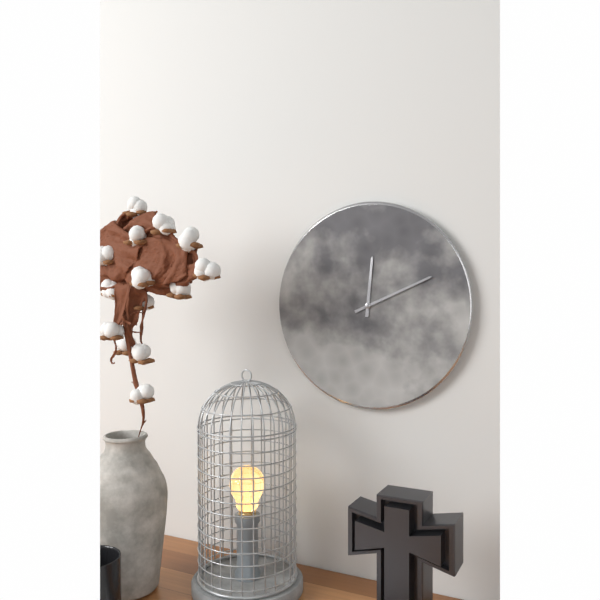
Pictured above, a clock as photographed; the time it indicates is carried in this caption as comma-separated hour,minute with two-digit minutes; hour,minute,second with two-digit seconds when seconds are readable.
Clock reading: 12,11
